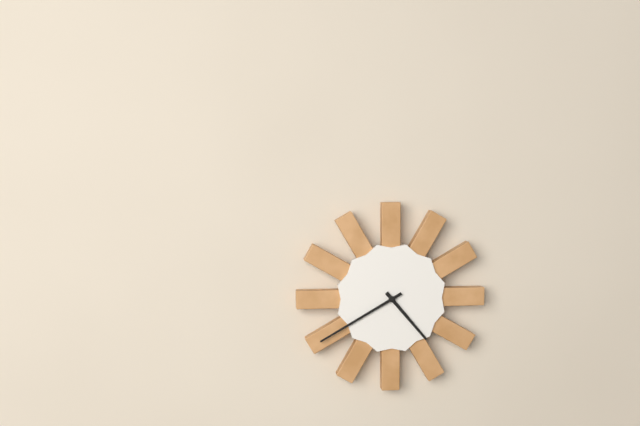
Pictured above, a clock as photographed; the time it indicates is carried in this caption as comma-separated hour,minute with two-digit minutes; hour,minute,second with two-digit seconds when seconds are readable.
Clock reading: 4,40
